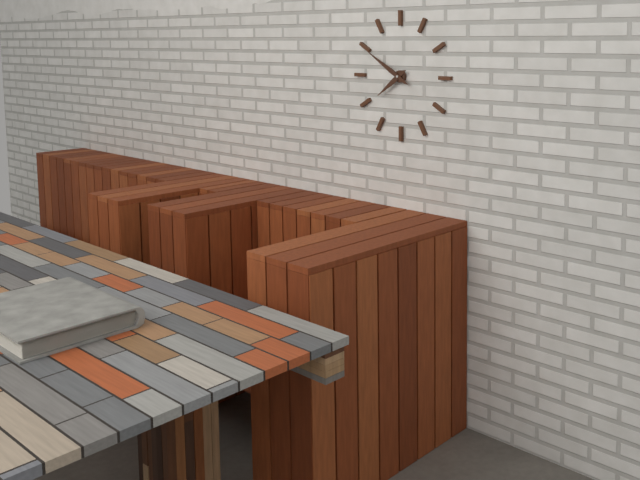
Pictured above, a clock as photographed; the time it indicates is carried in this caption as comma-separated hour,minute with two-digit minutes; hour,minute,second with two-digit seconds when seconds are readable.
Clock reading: 7,50
